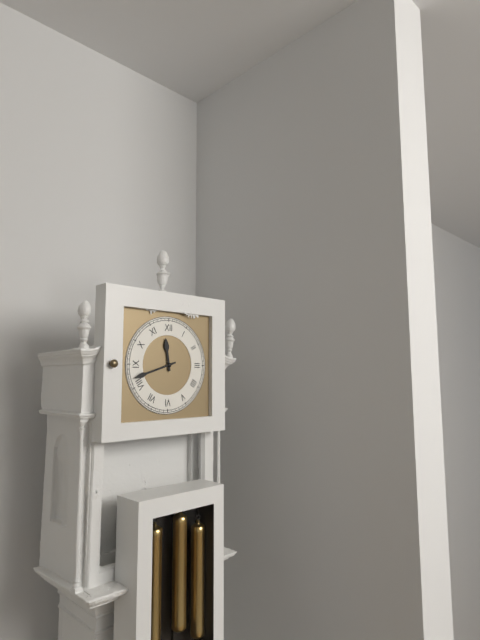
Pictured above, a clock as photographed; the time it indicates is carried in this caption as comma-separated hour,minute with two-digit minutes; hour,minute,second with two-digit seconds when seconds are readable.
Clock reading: 11,42
